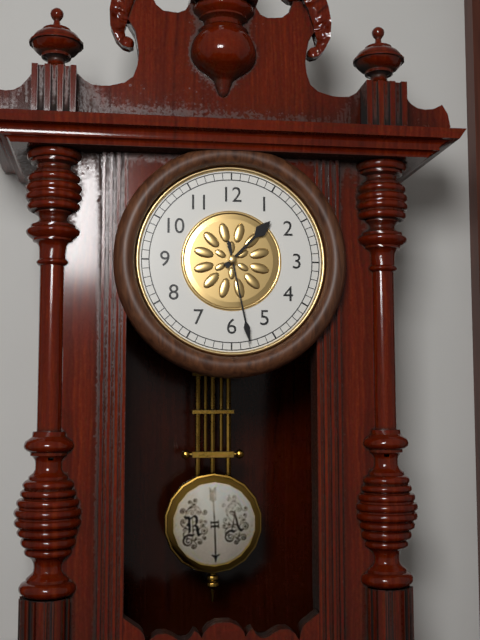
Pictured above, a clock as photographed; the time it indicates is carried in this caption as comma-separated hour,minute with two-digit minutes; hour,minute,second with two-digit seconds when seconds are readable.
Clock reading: 1,28
